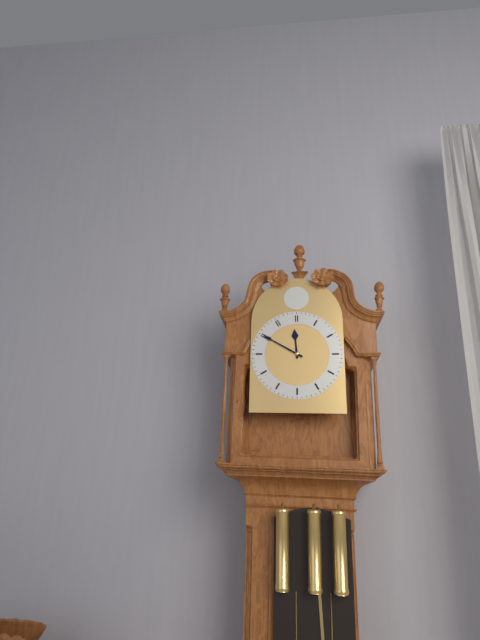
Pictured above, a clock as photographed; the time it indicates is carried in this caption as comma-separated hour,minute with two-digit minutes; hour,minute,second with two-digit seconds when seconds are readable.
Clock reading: 11,50
